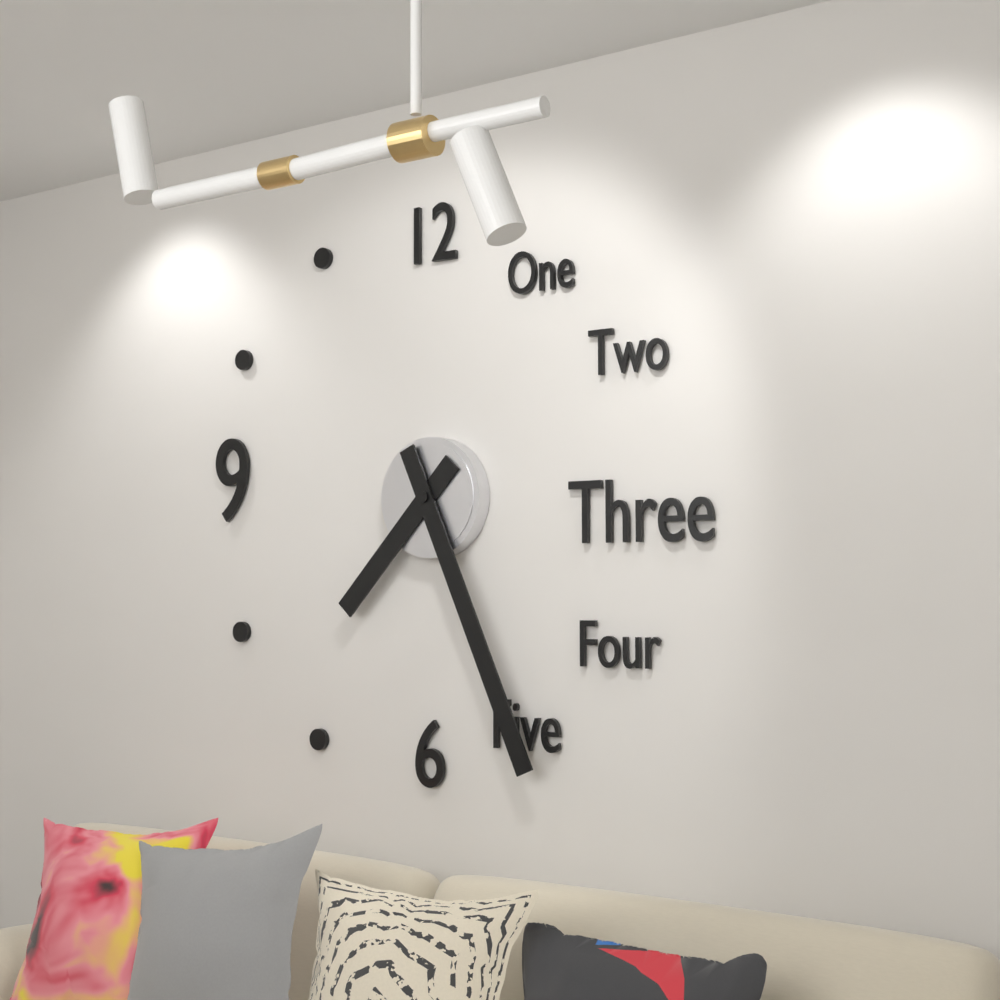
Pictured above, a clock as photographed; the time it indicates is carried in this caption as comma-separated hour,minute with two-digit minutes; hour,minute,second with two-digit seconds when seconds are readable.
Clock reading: 7,26
